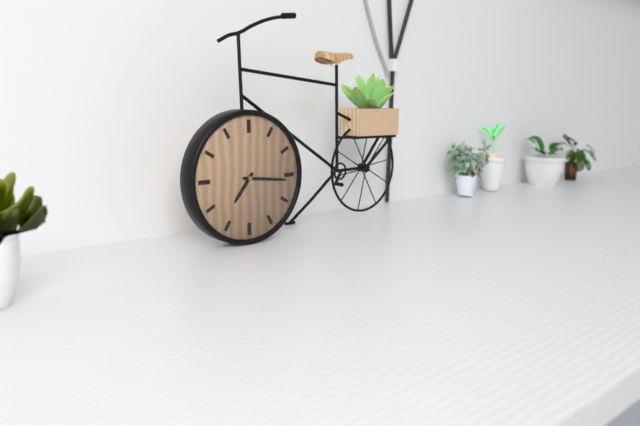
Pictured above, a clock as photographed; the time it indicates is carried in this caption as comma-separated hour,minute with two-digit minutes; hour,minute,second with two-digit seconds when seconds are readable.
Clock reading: 7,16
